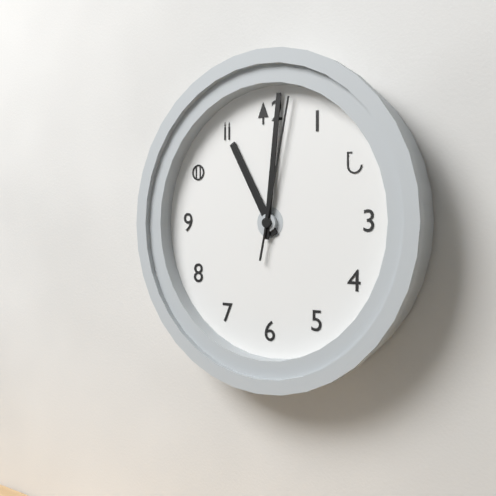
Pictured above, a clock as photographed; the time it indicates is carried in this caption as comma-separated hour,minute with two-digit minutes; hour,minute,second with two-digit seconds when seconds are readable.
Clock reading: 11,01,02
